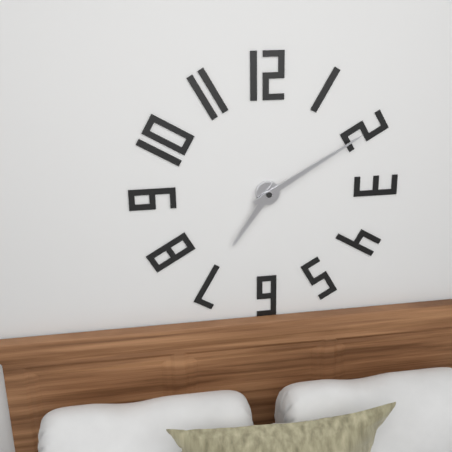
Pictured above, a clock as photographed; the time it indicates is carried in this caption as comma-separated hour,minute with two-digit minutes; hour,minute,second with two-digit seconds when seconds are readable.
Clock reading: 7,10
